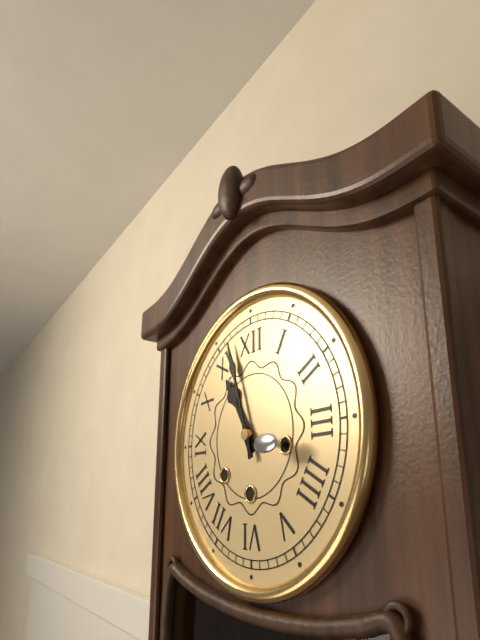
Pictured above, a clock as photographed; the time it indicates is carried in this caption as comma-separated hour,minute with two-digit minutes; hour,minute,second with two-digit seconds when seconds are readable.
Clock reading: 10,57
